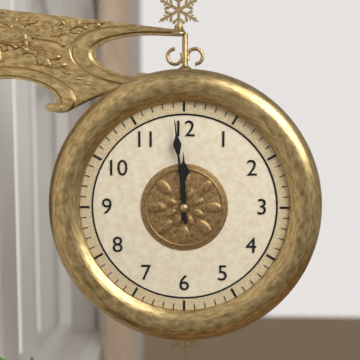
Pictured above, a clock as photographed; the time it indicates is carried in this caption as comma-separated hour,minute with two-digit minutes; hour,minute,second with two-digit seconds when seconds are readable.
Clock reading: 11,59
